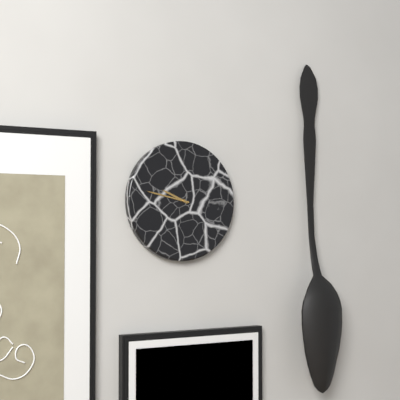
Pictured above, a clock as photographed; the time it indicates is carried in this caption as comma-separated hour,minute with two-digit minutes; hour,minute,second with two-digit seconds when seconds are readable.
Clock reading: 9,47
